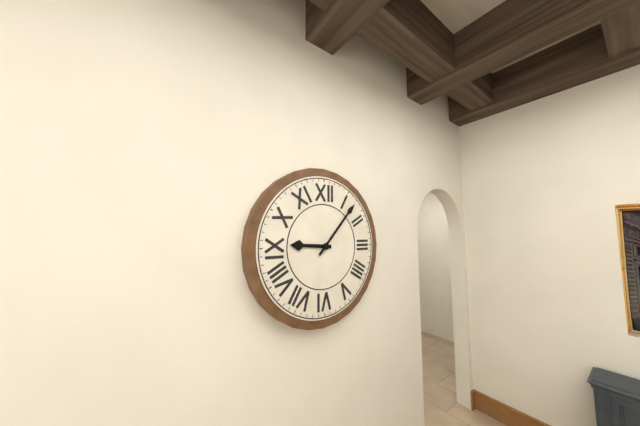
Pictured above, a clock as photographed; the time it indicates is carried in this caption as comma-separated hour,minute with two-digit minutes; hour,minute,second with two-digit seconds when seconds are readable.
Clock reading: 9,07
